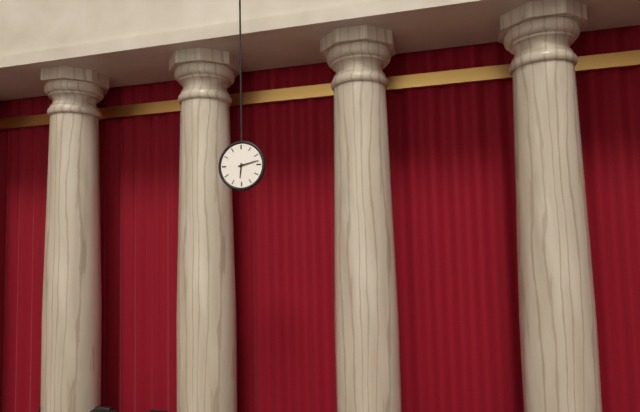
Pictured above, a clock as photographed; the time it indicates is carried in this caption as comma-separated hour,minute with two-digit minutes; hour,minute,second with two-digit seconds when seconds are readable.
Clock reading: 6,13
